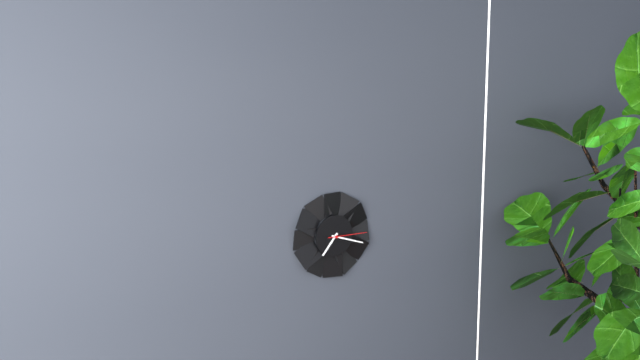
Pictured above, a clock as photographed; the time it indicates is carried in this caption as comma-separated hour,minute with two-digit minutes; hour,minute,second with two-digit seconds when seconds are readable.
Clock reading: 7,18
